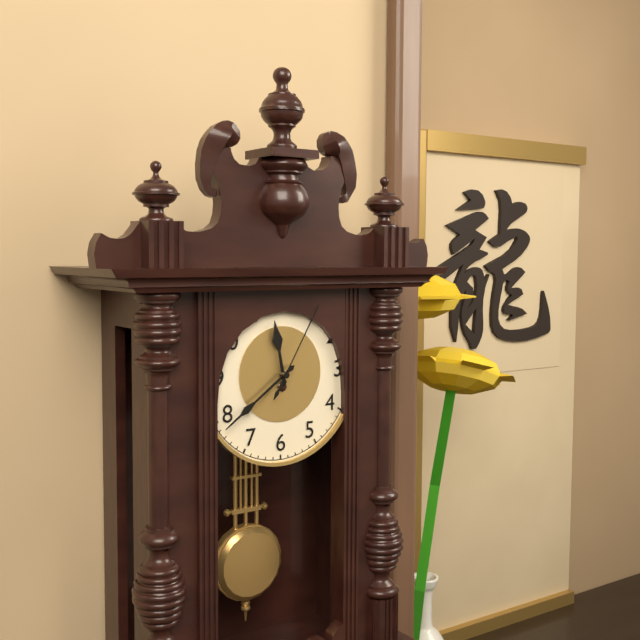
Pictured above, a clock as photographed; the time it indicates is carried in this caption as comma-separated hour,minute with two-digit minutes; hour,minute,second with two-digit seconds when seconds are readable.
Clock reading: 11,39,05
